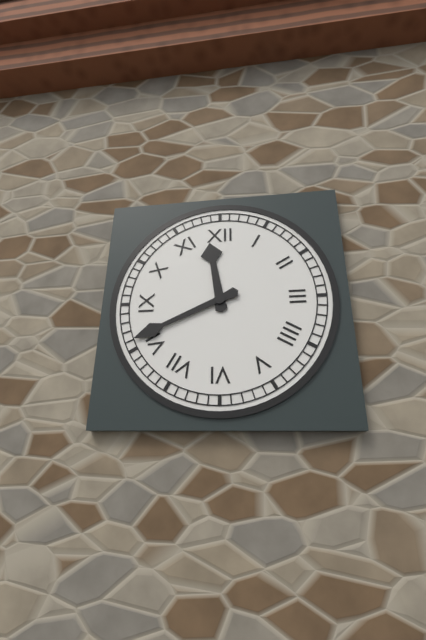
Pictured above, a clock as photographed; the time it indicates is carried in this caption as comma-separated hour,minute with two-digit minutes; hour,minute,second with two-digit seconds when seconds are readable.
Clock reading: 11,41
